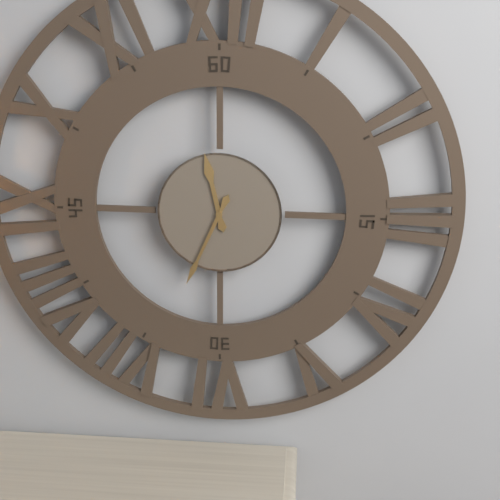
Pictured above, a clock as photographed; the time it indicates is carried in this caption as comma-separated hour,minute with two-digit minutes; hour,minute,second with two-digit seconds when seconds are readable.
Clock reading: 11,34
